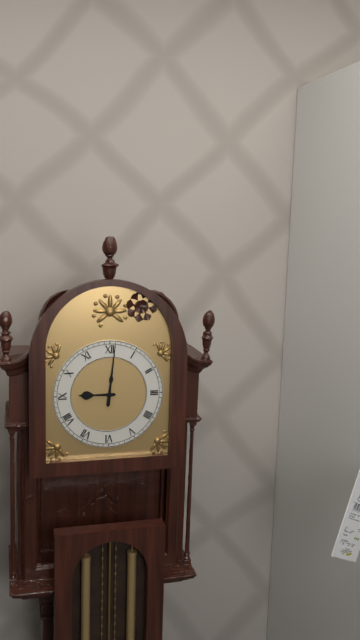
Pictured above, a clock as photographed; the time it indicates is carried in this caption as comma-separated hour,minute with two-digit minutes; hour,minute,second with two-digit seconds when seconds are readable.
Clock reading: 9,01
